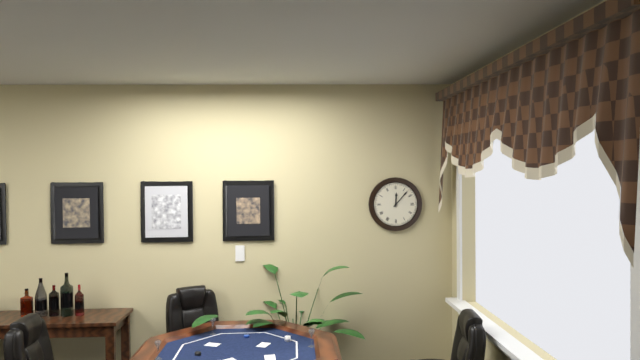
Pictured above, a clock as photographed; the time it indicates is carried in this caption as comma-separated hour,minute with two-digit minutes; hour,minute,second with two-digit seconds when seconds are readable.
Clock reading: 12,07
